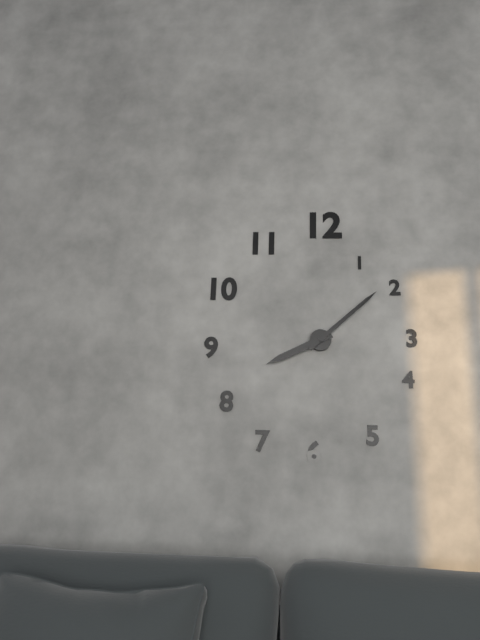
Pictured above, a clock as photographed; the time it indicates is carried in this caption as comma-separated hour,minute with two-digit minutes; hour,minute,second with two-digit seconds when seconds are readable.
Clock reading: 8,08
